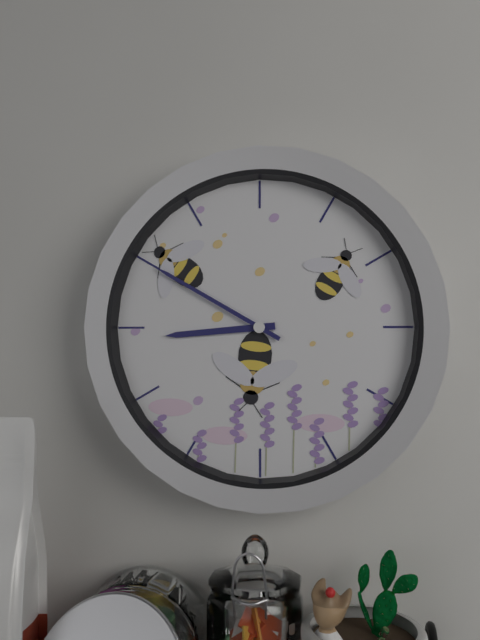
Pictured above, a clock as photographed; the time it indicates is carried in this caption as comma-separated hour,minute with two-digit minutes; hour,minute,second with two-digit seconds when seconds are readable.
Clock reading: 8,50
